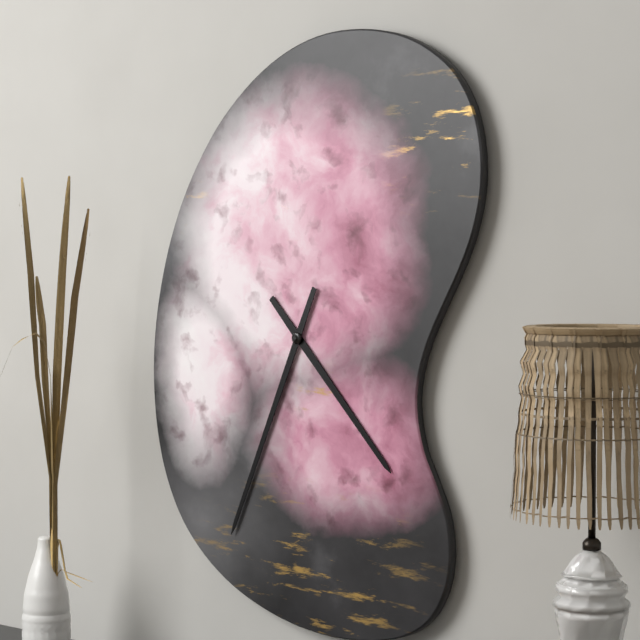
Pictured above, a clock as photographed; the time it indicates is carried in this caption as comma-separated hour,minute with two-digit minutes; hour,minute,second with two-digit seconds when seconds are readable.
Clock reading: 4,34
